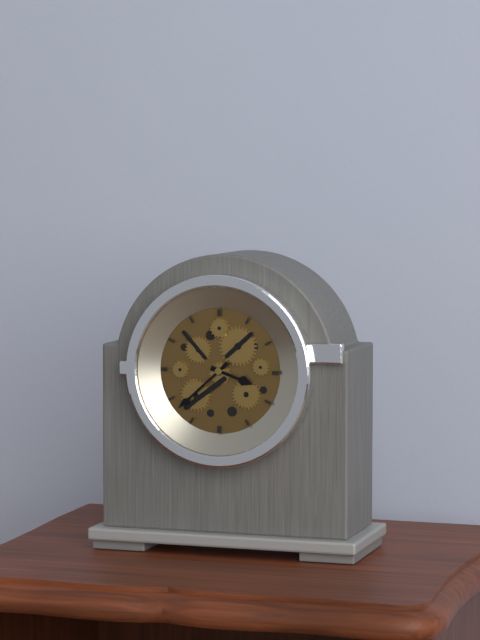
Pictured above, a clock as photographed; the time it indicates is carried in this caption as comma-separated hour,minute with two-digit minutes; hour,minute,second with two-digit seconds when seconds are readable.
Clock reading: 3,38
